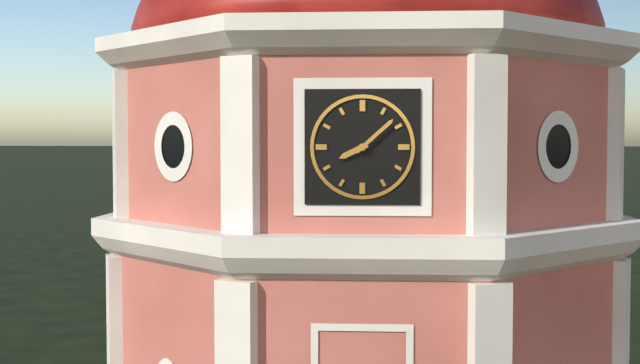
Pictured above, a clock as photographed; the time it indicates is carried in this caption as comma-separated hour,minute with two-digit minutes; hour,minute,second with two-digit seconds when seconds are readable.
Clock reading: 8,08
